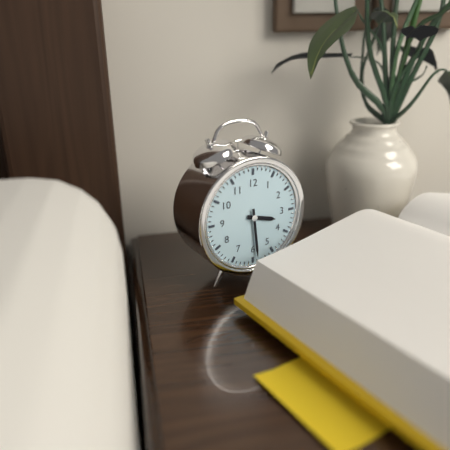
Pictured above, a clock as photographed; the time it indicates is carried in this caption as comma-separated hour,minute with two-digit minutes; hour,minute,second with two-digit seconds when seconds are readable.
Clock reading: 3,29
